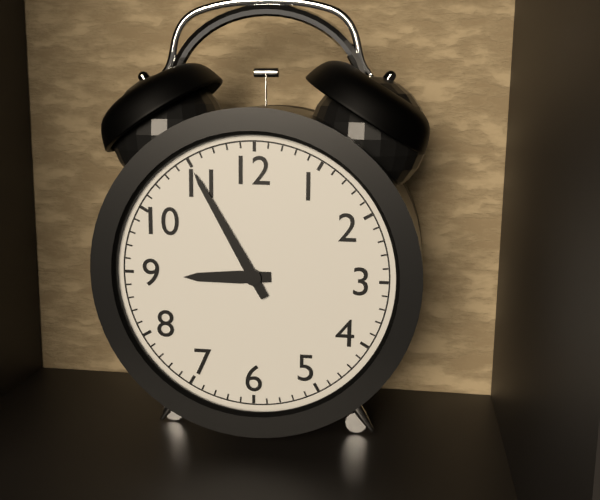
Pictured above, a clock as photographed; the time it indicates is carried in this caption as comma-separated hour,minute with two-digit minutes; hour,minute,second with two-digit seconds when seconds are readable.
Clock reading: 8,55
